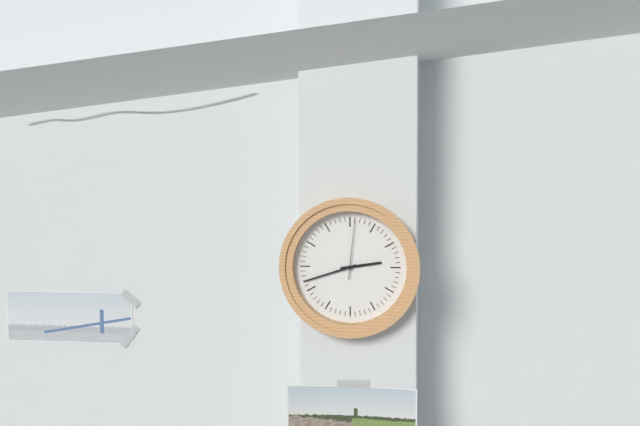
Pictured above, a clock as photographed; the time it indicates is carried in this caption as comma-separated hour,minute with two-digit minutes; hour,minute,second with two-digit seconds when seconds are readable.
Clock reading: 2,42,01
